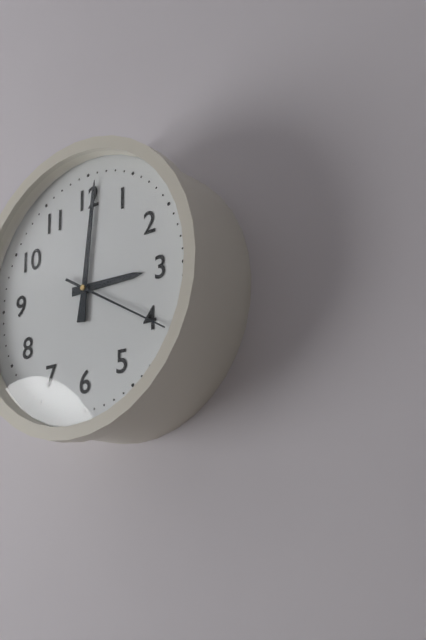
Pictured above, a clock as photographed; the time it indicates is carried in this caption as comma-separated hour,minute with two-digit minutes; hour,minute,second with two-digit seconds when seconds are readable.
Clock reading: 3,01
